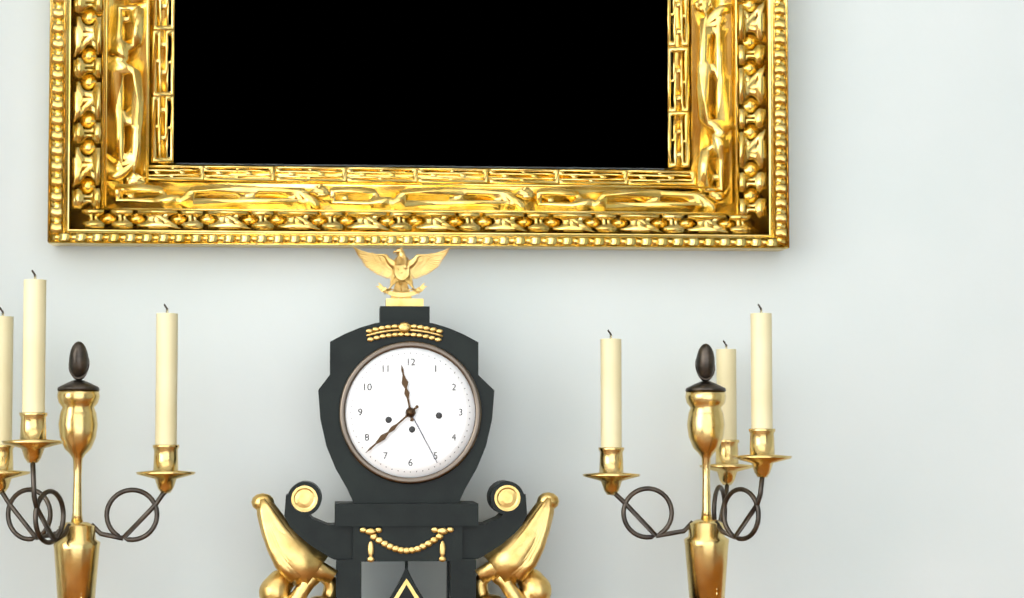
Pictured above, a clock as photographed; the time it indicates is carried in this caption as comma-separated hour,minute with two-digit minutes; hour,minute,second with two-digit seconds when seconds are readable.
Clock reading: 11,38
